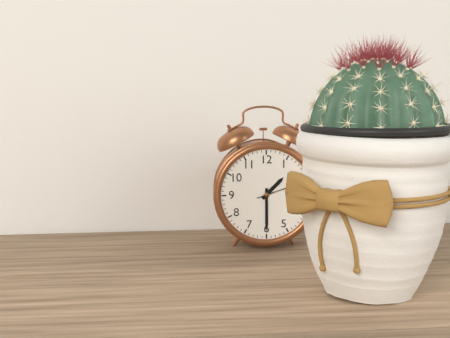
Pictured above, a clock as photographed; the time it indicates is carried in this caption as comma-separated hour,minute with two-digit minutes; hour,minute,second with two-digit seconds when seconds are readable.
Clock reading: 1,30
